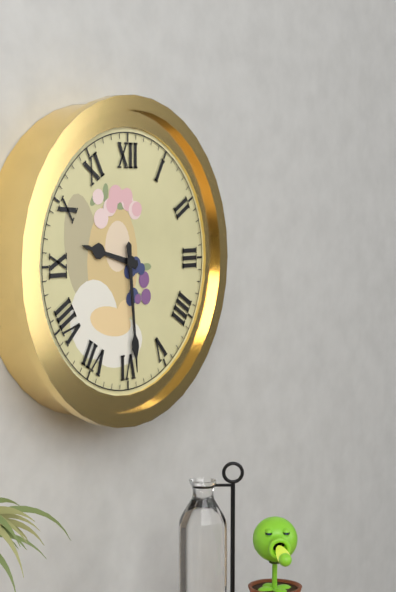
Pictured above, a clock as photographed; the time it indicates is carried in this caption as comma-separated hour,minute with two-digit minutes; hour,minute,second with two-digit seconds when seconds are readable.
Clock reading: 9,29
